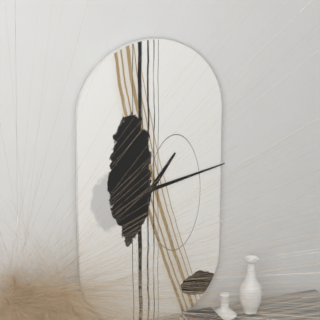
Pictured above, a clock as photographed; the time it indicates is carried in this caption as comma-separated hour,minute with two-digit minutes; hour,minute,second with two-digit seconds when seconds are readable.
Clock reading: 1,13
